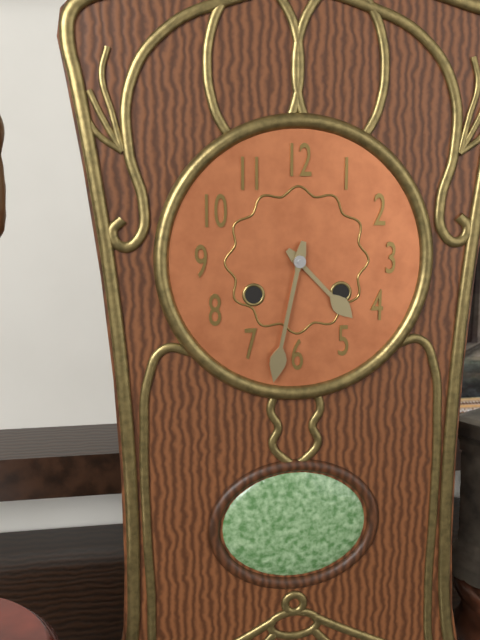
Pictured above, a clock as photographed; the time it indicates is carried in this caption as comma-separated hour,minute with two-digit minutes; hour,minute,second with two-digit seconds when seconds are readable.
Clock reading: 4,32
